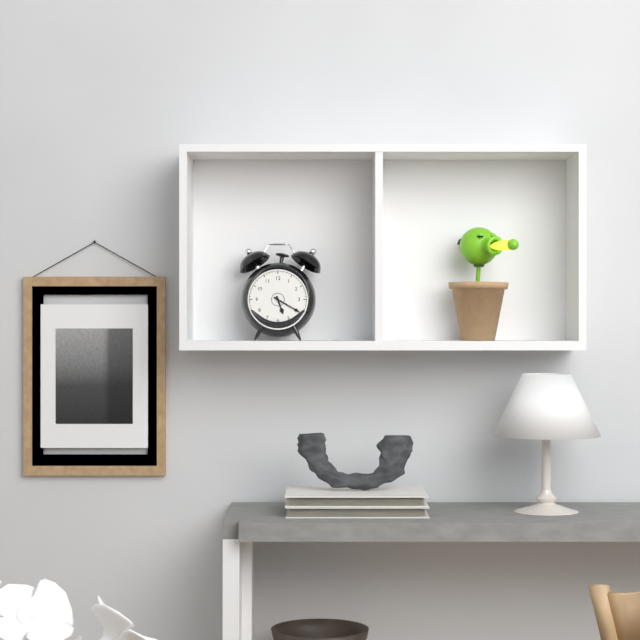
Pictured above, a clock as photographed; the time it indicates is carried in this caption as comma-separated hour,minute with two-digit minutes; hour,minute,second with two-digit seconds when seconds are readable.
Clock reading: 5,20
